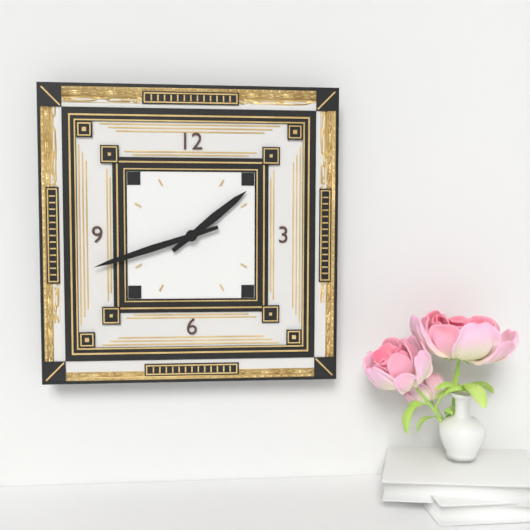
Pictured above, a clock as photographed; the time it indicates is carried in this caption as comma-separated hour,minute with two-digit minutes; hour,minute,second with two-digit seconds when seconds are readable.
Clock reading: 1,42
